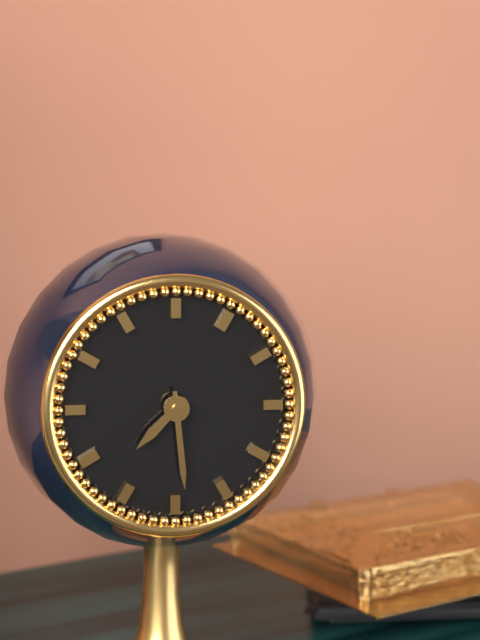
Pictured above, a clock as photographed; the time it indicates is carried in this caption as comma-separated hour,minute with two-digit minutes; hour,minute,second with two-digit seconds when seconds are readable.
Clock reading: 7,29
